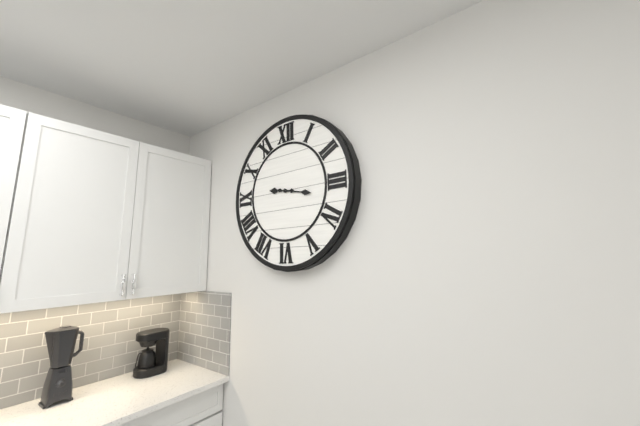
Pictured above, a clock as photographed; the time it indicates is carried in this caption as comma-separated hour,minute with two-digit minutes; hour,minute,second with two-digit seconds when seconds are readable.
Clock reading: 9,17
